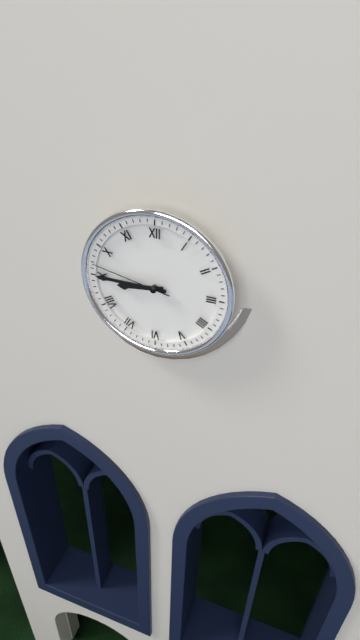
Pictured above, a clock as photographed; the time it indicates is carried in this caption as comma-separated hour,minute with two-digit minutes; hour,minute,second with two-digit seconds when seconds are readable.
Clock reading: 8,45,47
